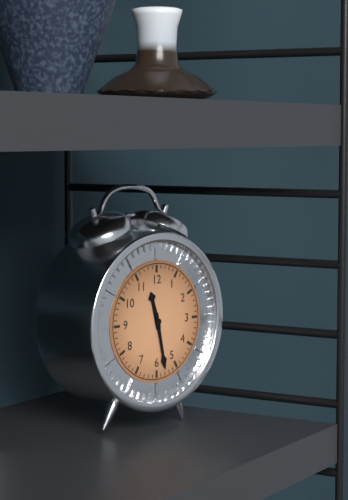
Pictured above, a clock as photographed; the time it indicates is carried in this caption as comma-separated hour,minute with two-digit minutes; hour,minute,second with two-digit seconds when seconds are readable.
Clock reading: 11,28
